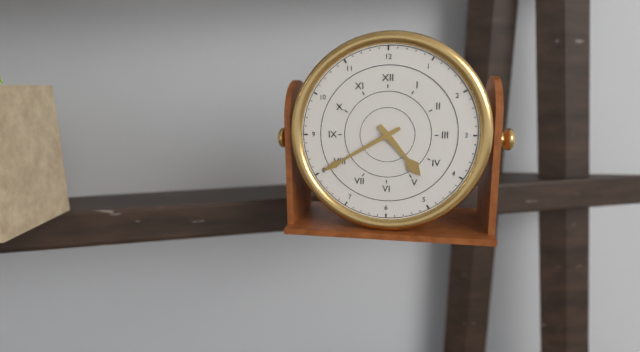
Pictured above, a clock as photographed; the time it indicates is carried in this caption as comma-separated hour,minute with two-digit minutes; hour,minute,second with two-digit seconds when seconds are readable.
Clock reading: 4,40
